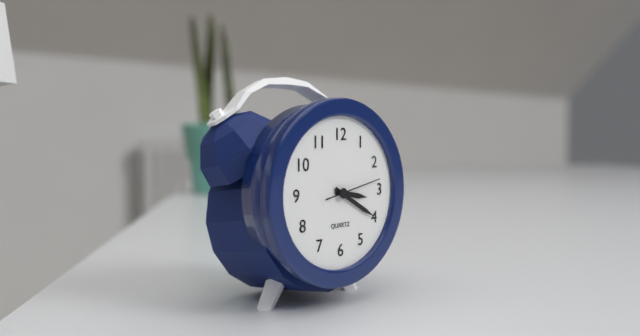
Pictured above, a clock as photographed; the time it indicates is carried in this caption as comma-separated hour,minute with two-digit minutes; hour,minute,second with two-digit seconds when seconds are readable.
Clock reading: 3,20
